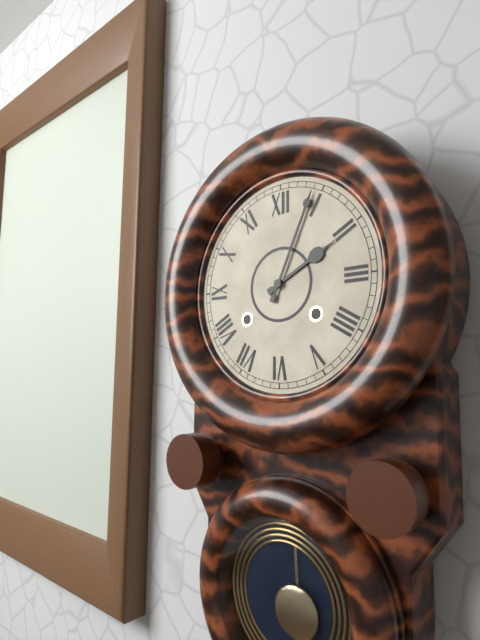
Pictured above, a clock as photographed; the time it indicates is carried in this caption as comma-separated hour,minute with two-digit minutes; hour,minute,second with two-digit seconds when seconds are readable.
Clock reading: 2,04
